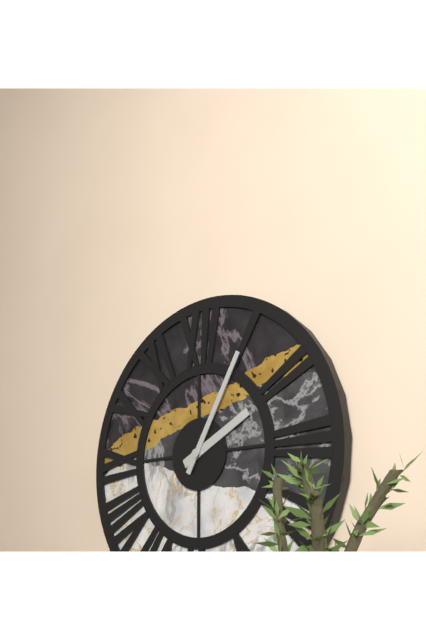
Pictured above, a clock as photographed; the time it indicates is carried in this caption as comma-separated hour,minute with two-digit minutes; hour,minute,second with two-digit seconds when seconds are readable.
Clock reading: 2,05
